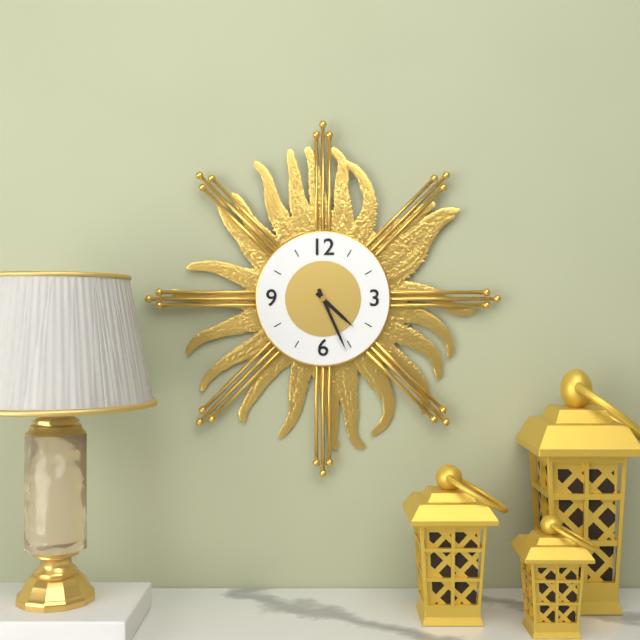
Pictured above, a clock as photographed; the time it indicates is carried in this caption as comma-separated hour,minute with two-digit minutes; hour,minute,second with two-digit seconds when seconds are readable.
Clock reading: 4,26
